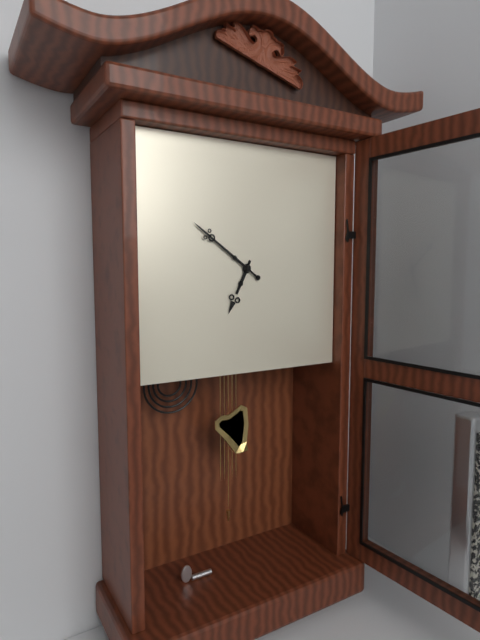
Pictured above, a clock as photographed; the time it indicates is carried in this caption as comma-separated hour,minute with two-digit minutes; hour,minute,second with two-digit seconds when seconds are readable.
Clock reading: 6,51
